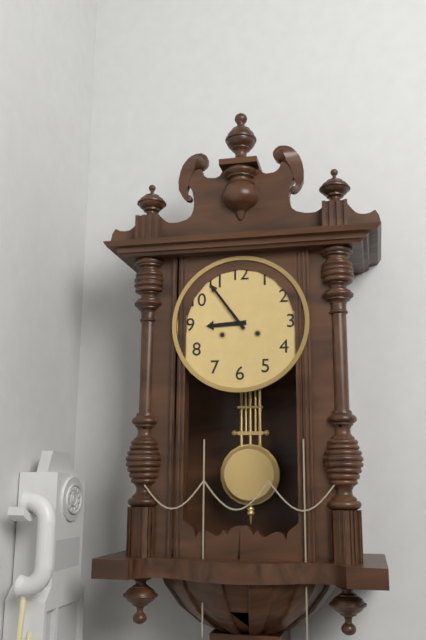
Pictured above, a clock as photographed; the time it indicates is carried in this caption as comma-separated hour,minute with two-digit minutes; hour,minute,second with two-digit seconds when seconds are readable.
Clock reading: 8,54
